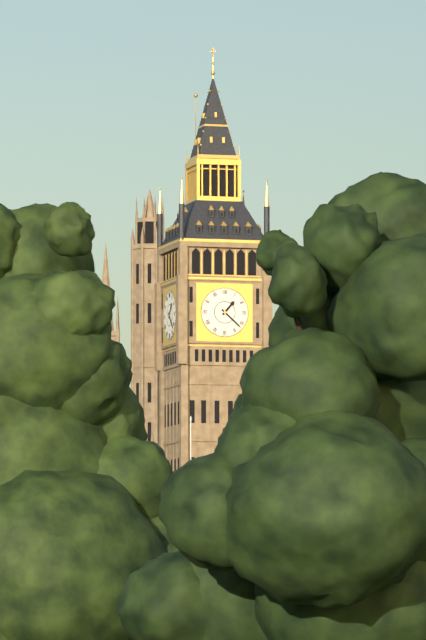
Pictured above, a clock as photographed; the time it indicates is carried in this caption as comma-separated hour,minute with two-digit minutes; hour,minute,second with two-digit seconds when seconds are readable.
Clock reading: 1,22
